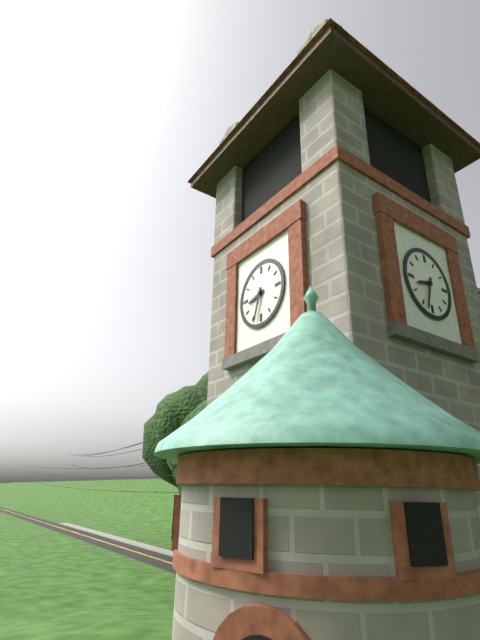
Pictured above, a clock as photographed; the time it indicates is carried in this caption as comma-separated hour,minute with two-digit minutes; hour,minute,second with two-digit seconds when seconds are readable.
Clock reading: 8,33
